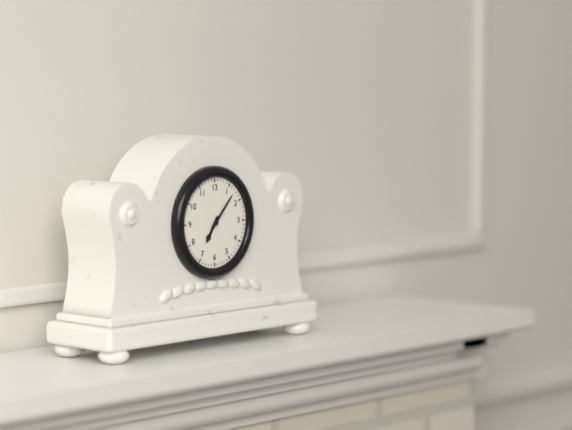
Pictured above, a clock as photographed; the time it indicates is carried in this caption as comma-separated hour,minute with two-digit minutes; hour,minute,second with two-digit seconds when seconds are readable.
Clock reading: 7,07
